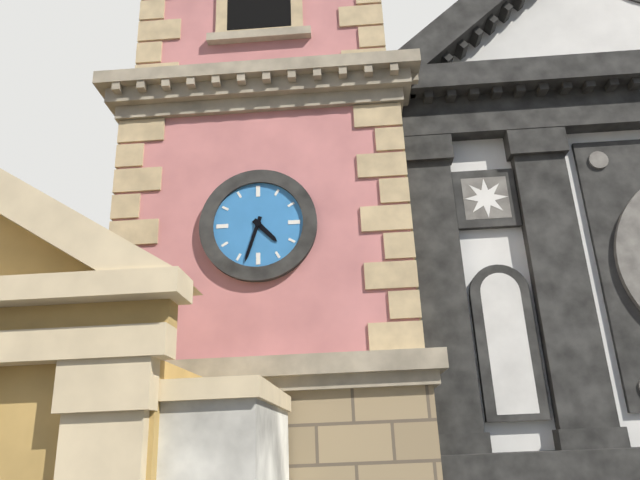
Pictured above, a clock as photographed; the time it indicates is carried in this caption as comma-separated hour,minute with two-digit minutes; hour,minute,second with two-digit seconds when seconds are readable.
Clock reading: 4,33
